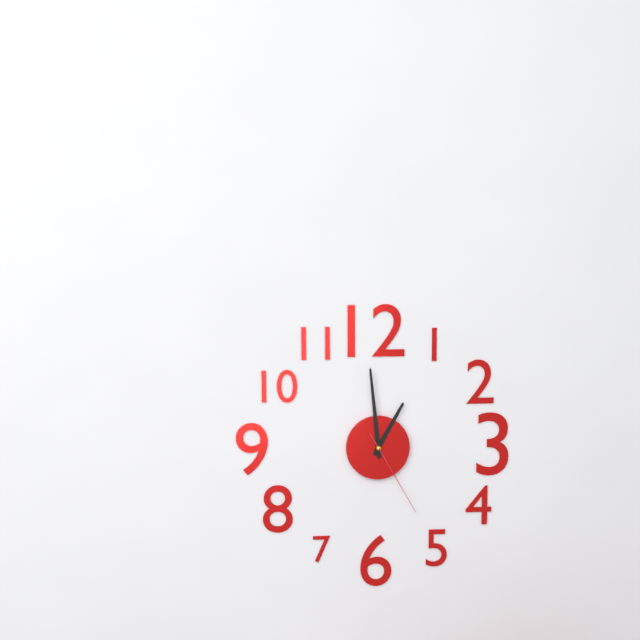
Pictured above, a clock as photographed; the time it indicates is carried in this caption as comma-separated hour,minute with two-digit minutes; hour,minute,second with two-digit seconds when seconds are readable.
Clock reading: 12,59,25
